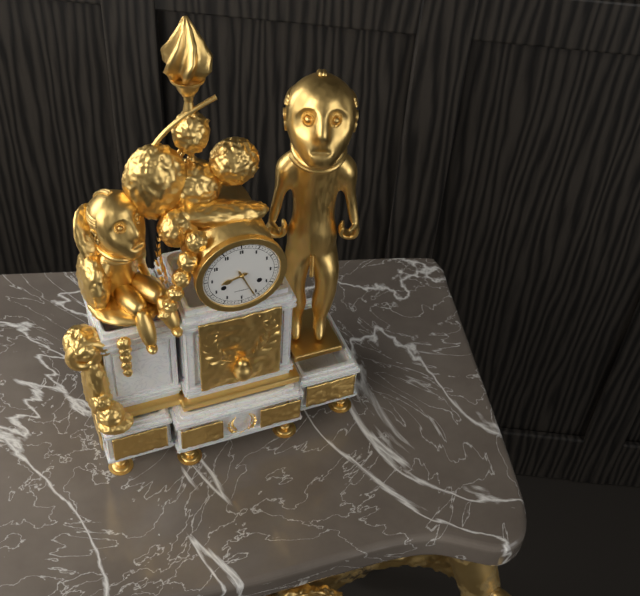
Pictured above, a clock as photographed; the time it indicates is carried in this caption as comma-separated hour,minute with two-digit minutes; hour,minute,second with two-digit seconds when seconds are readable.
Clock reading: 8,26
